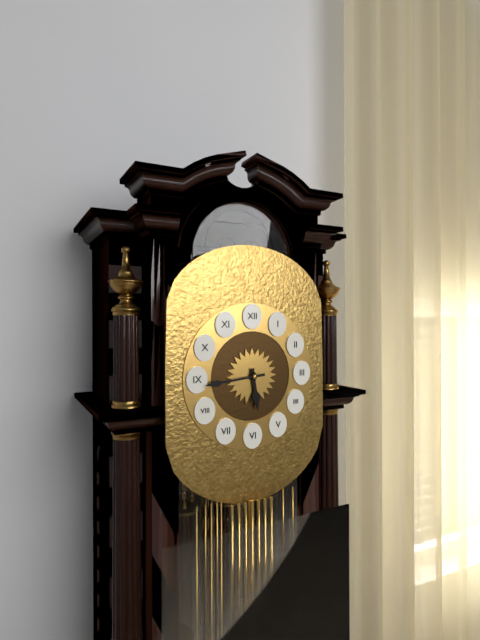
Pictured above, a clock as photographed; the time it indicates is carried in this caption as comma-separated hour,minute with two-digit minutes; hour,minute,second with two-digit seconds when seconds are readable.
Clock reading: 5,44
